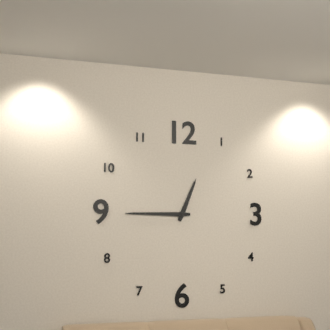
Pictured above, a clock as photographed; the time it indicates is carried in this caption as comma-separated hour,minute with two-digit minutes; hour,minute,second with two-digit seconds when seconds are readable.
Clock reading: 12,45
